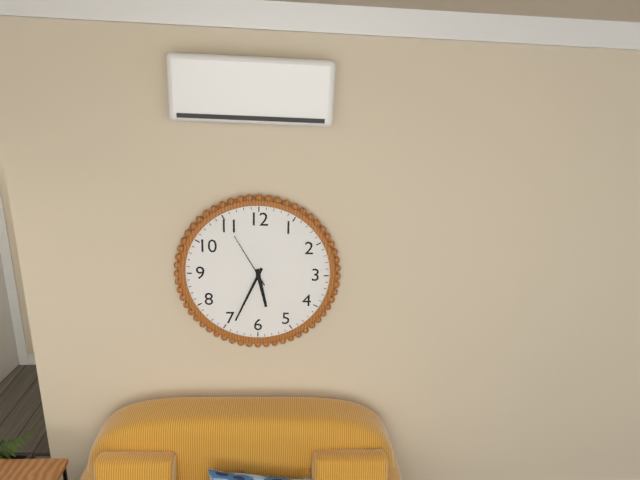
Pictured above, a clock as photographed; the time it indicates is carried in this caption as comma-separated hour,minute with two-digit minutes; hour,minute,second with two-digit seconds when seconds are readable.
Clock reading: 5,34,55
